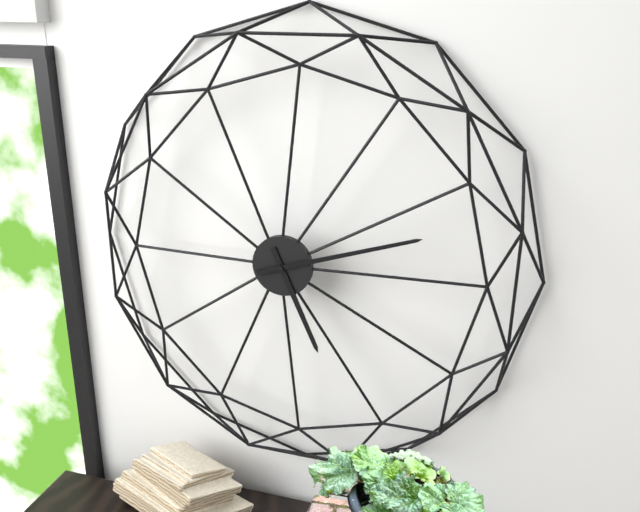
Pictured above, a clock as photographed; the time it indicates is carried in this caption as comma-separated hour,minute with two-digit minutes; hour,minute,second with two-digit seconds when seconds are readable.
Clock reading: 5,12
